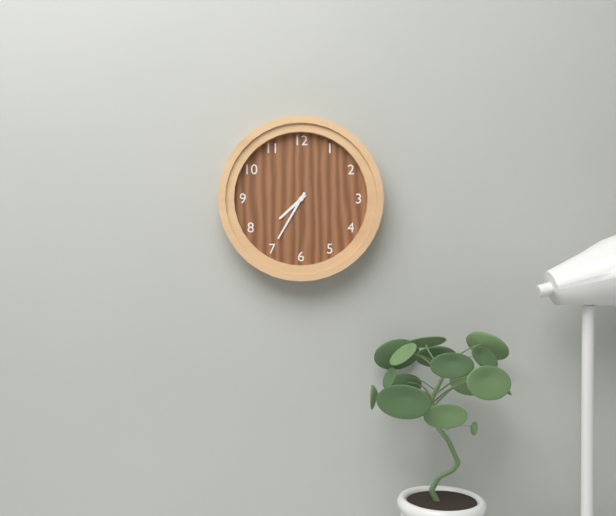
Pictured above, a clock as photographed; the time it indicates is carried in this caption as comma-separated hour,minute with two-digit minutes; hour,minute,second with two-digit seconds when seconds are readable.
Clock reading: 7,35
